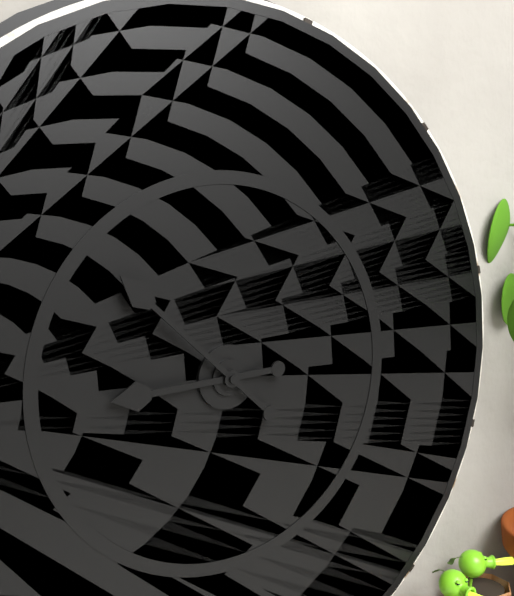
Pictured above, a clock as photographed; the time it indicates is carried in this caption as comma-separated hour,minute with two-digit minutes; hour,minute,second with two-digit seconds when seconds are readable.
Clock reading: 8,52
